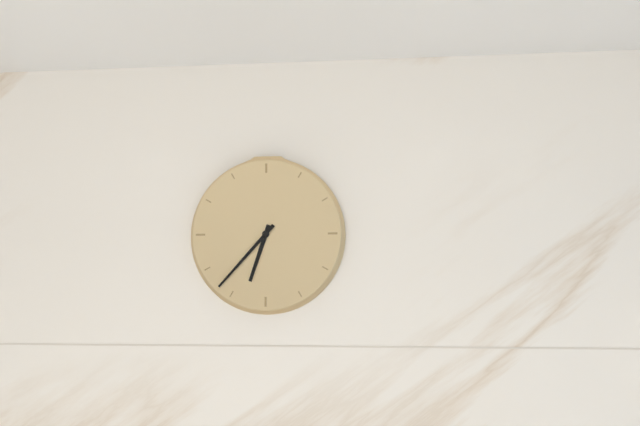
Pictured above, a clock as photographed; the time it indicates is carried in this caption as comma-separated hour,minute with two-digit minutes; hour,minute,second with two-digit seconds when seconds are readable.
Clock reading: 6,37
